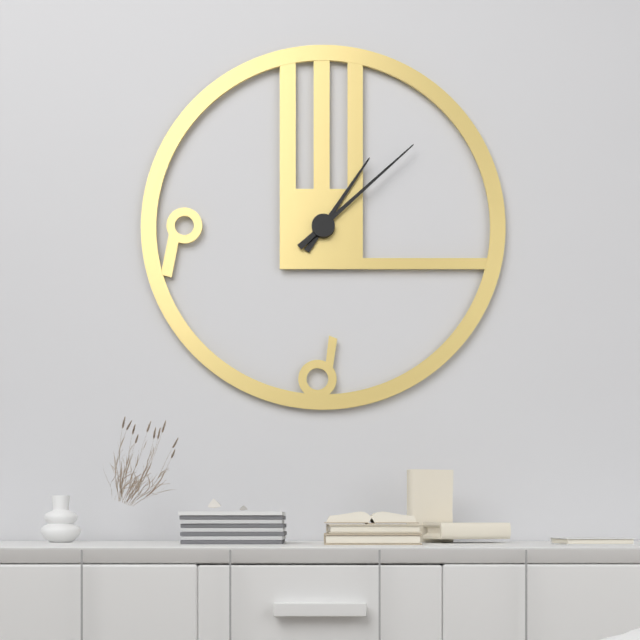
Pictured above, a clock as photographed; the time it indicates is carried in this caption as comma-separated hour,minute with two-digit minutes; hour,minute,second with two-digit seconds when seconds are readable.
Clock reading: 1,08
